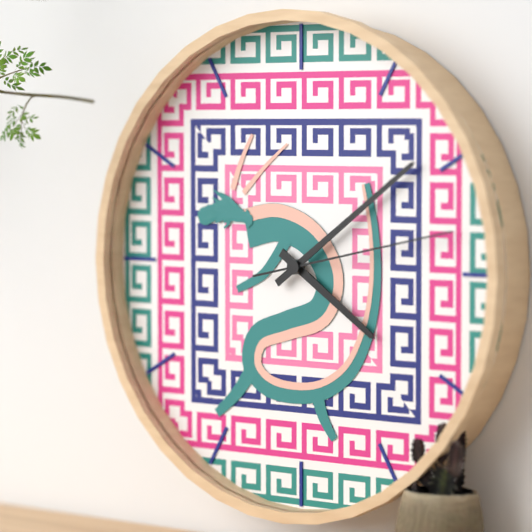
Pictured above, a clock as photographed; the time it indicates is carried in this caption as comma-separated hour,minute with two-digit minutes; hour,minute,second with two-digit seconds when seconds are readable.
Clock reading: 4,09,13
